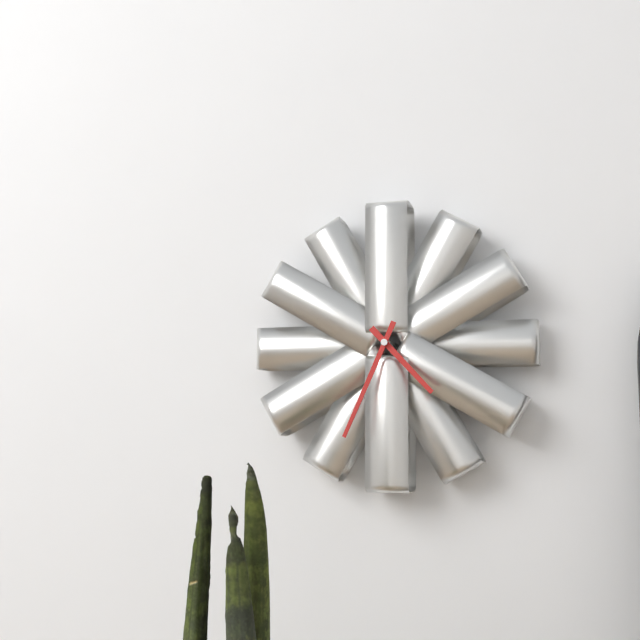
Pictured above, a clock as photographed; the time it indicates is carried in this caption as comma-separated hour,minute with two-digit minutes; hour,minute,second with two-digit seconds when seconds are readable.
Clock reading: 4,34
